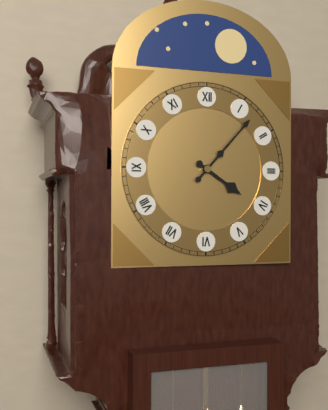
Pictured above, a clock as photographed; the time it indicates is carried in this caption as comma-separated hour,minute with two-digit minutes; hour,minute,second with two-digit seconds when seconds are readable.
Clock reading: 4,07
